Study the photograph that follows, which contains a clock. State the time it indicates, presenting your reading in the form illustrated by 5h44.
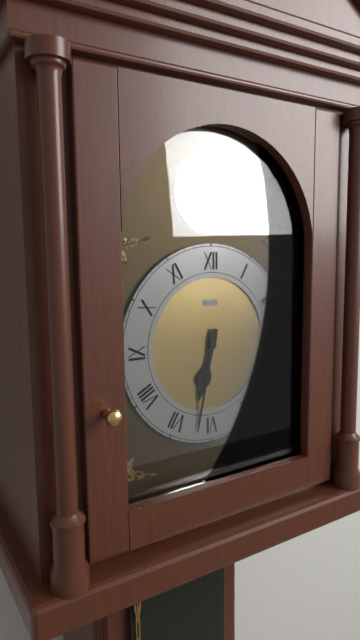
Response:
6h32
